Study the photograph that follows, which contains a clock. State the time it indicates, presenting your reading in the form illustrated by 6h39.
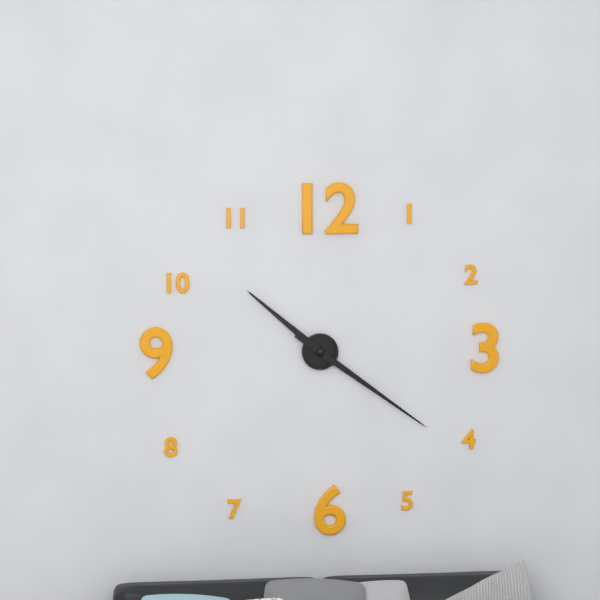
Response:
10h21
